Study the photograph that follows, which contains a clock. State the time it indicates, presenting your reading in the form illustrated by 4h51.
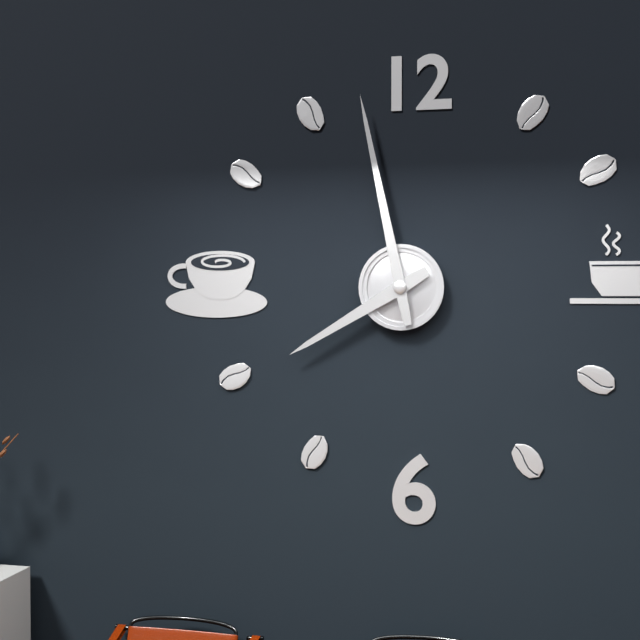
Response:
7h58
